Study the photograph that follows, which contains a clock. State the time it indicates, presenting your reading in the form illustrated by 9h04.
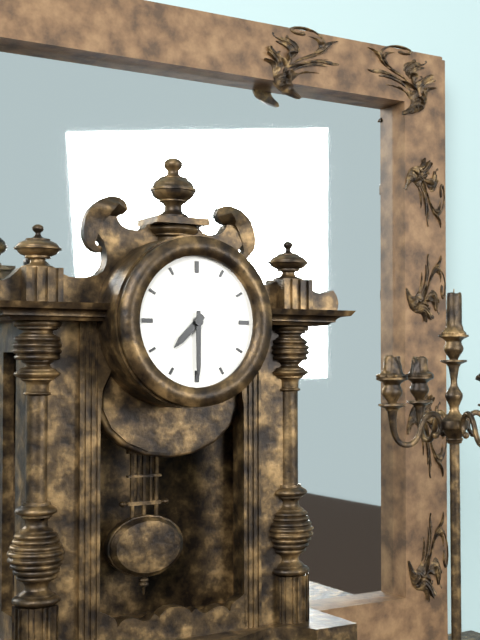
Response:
7h30
